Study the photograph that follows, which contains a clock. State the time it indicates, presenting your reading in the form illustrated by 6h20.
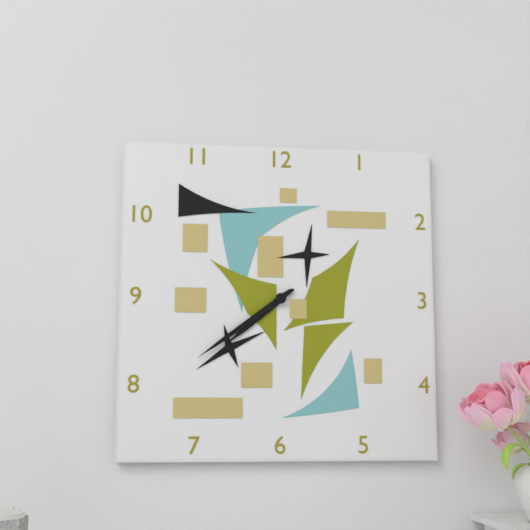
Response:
7h39
